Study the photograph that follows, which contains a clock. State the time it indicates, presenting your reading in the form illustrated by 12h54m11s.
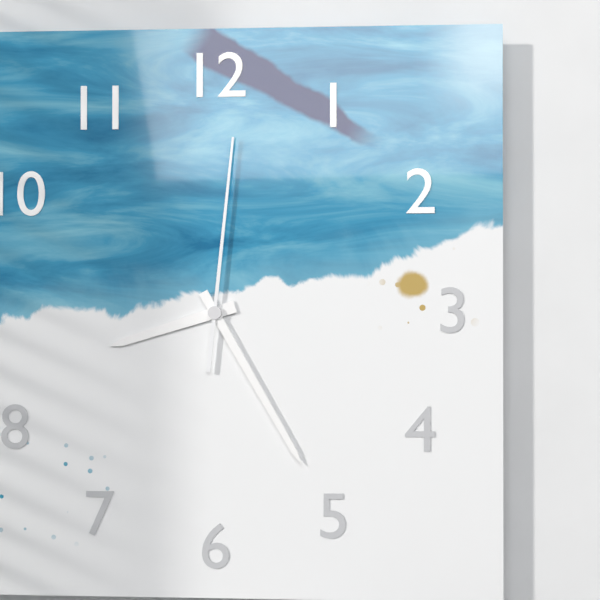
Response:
8h25m01s
